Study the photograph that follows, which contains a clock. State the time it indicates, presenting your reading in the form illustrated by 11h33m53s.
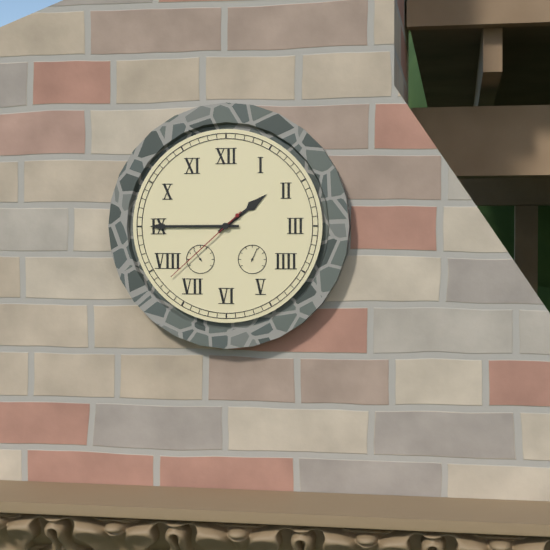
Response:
1h45m38s
